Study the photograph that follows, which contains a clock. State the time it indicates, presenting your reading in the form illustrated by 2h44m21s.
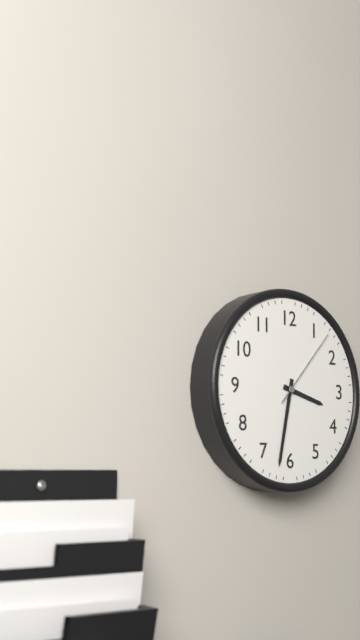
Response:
3h32m07s
